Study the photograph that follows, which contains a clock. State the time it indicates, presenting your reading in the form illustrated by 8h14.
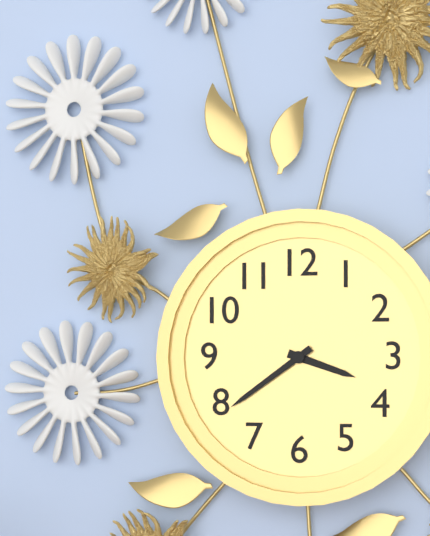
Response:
3h39
